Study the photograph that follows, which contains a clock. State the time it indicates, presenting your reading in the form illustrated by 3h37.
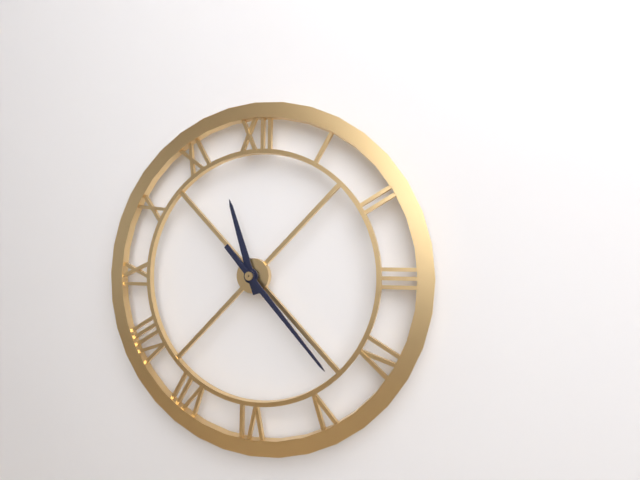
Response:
11h23
